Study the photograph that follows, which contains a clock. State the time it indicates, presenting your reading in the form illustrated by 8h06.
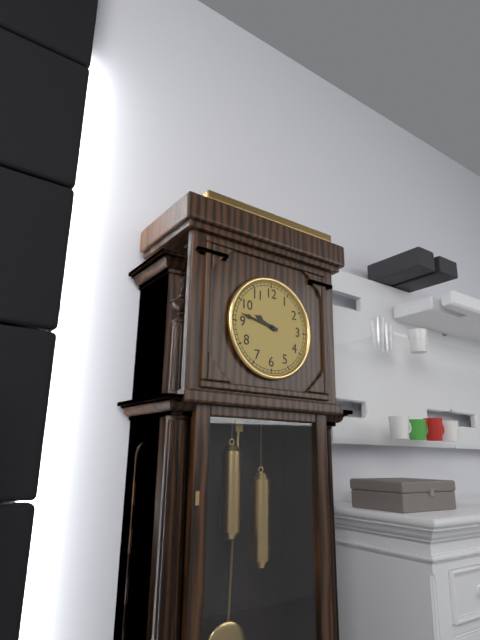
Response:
9h47
